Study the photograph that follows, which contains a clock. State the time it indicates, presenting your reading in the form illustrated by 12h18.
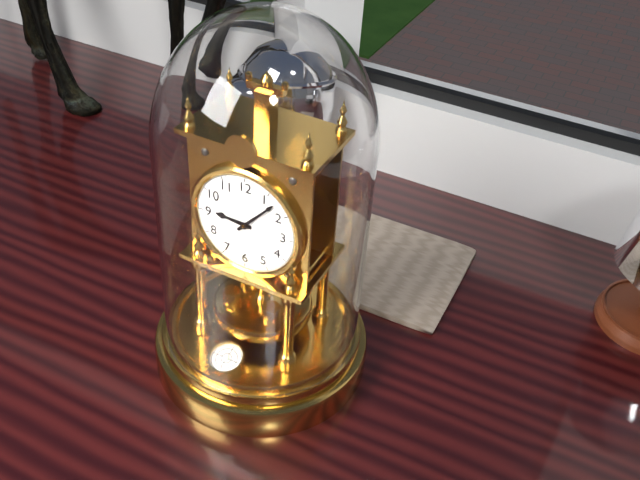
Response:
9h07
